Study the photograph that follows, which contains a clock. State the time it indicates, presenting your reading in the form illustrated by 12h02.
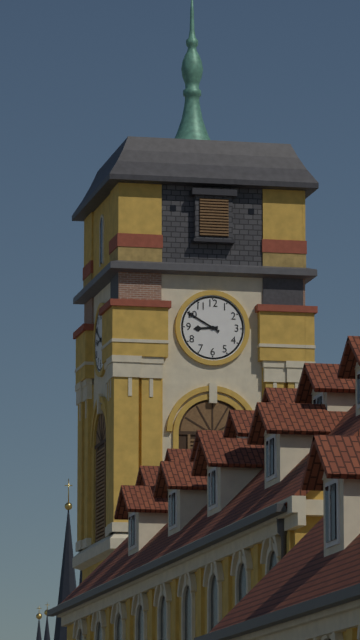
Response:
8h50
